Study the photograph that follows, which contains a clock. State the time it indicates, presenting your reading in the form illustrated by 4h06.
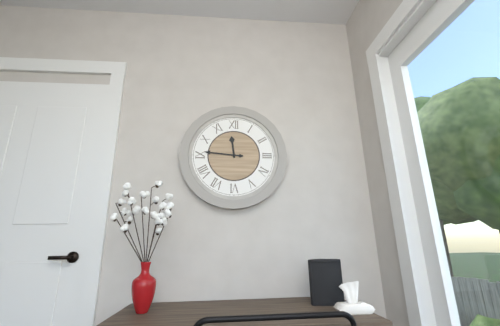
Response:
11h46
